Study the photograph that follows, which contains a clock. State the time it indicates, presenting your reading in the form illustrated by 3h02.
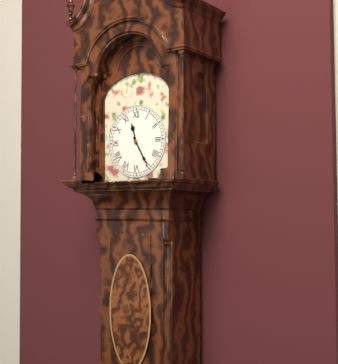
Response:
11h25
